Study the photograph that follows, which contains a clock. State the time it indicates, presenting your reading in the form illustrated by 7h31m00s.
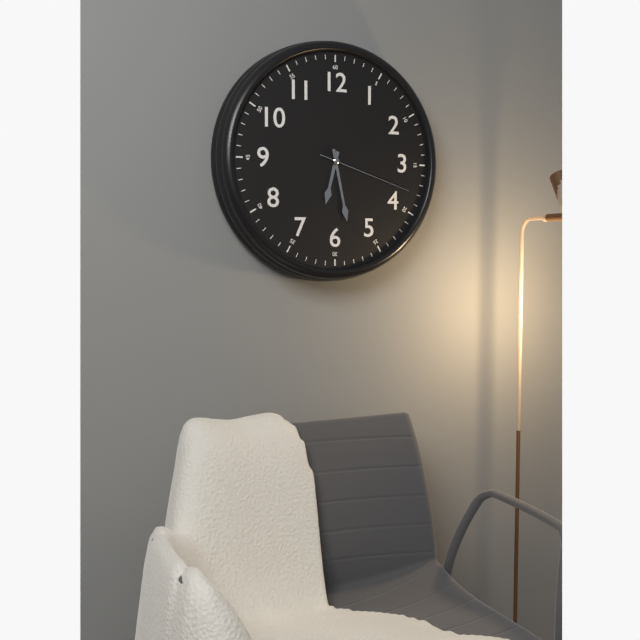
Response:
6h28m18s
